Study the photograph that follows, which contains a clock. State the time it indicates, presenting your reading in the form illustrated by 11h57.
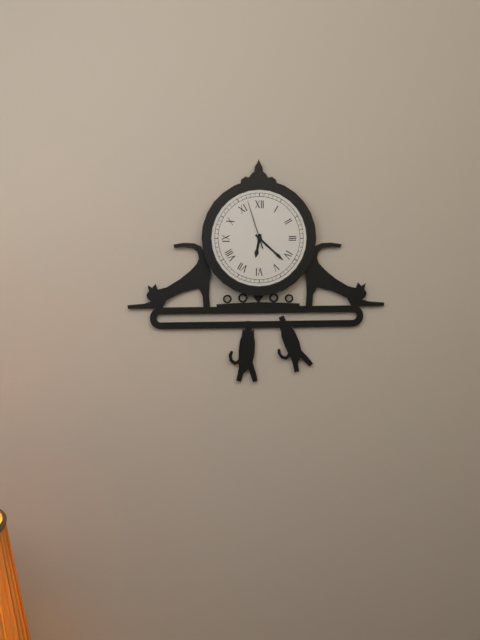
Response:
6h22
